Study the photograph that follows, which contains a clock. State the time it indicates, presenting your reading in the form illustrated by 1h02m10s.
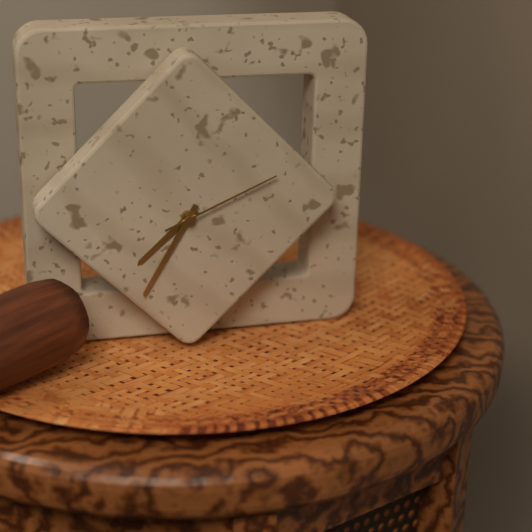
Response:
7h35m11s
